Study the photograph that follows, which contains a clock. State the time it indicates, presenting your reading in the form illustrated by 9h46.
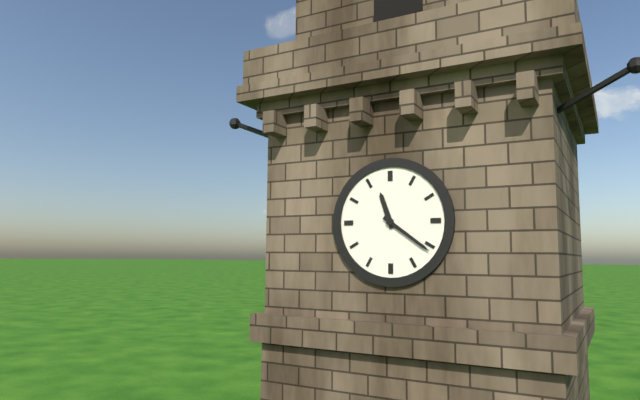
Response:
11h21
